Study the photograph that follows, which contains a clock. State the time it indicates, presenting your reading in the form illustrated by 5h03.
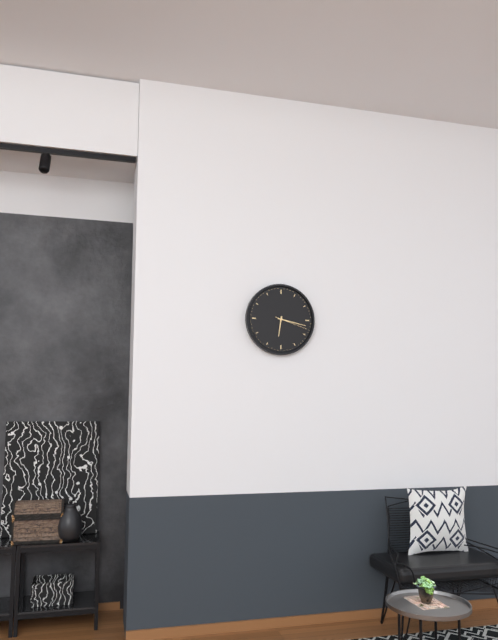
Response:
6h17
